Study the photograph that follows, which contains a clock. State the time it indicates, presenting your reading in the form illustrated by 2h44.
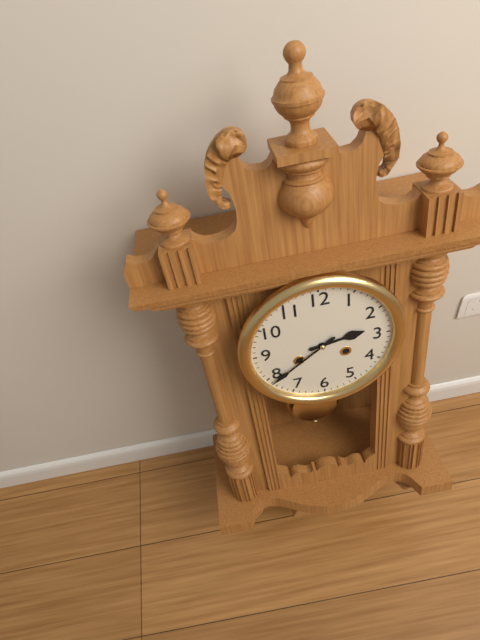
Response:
2h39
